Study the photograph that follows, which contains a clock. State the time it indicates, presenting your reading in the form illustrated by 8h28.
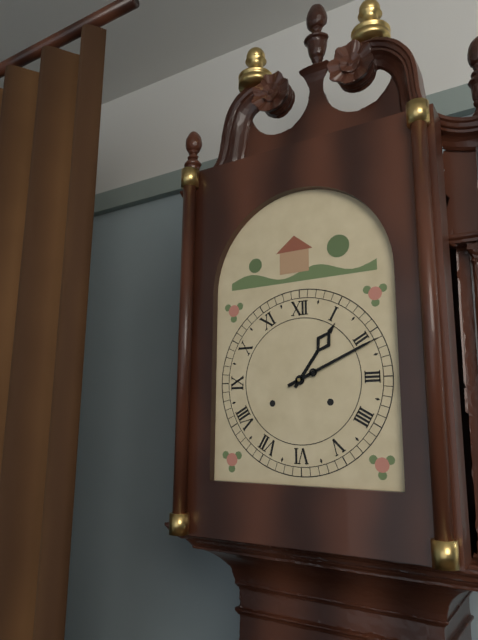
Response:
1h11
